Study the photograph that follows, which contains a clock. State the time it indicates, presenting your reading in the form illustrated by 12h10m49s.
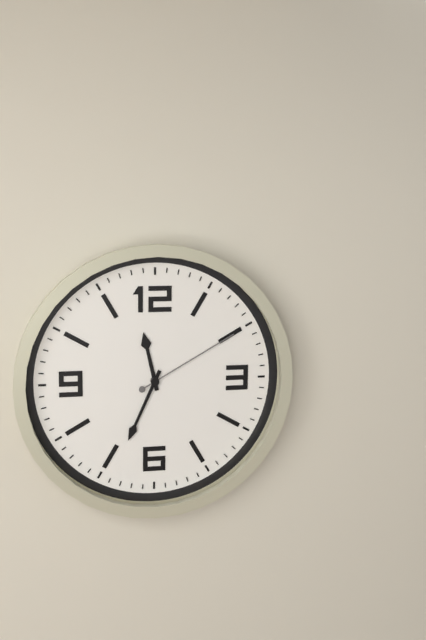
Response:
11h34m10s
